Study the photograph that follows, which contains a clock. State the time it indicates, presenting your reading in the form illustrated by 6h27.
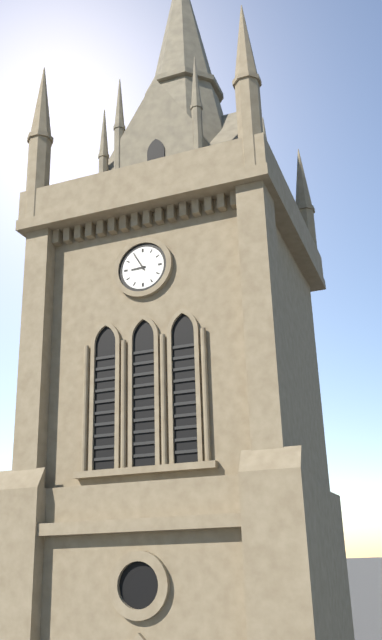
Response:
8h55
